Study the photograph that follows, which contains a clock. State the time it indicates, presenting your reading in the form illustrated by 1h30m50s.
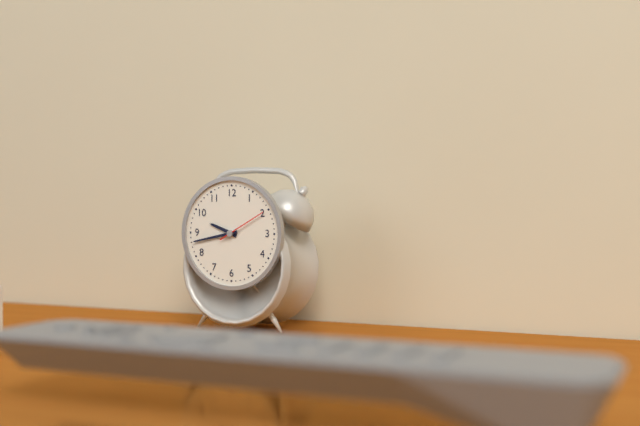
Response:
9h43m10s
